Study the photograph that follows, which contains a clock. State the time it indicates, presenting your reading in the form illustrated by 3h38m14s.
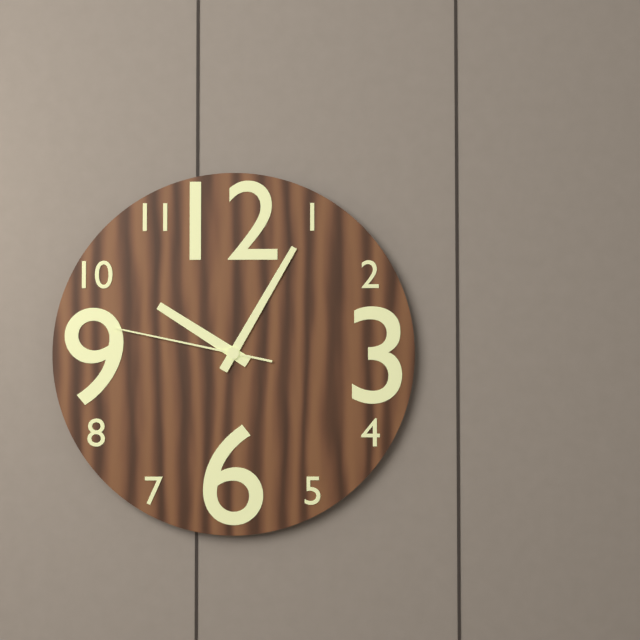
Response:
10h05m47s
